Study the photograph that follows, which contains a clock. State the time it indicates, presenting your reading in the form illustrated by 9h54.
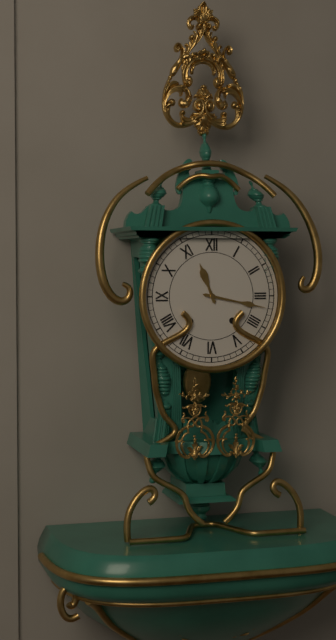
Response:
11h17
